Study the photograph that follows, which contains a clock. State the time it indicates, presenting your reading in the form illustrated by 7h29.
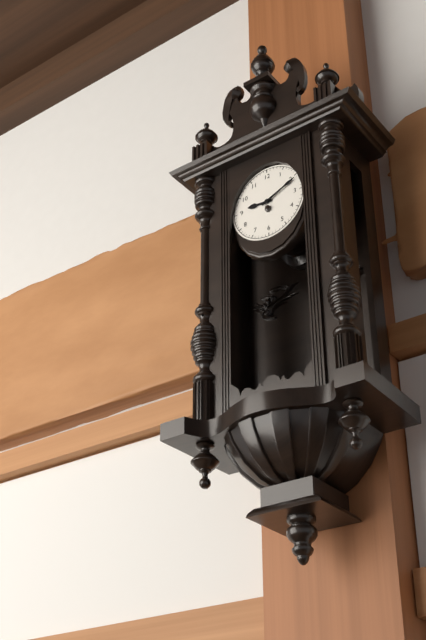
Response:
9h11
